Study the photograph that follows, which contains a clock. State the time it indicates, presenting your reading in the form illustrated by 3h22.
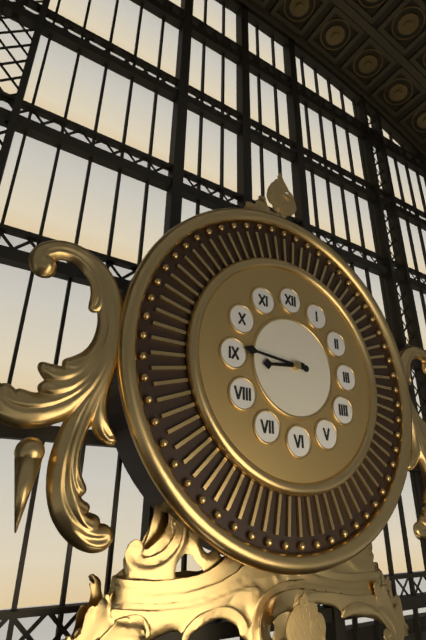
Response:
8h46
